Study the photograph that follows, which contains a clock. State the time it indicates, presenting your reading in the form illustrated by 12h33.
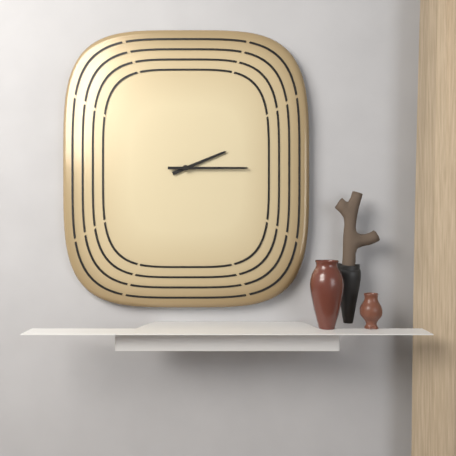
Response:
2h15
